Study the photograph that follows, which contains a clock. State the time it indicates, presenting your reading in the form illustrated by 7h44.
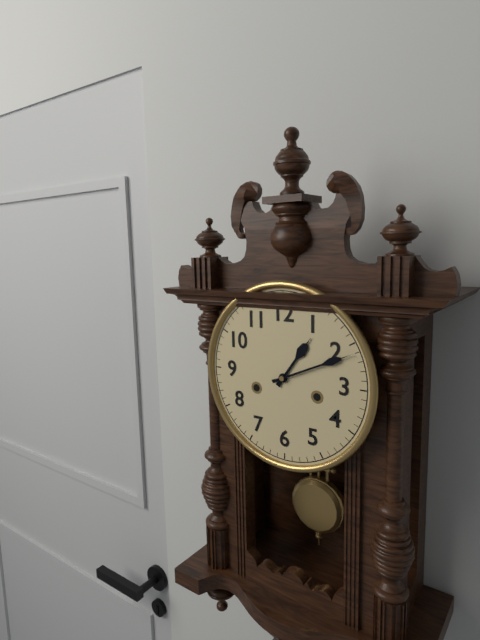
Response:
1h11
